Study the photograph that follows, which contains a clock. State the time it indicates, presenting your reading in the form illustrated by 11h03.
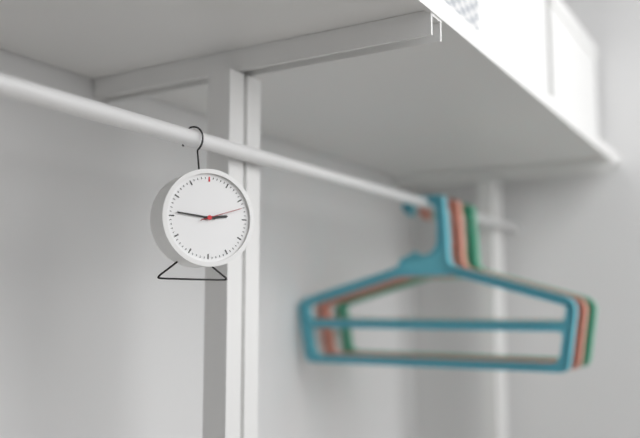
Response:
2h46
